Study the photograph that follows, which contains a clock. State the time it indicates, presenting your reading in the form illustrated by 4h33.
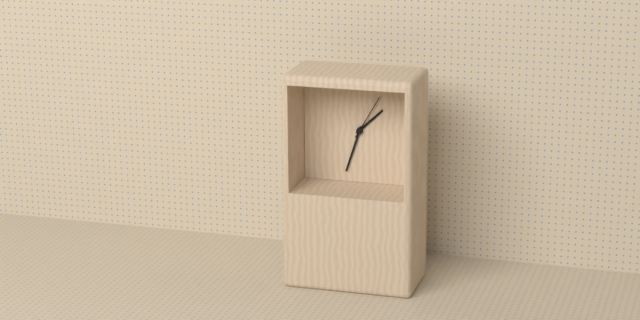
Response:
1h33
